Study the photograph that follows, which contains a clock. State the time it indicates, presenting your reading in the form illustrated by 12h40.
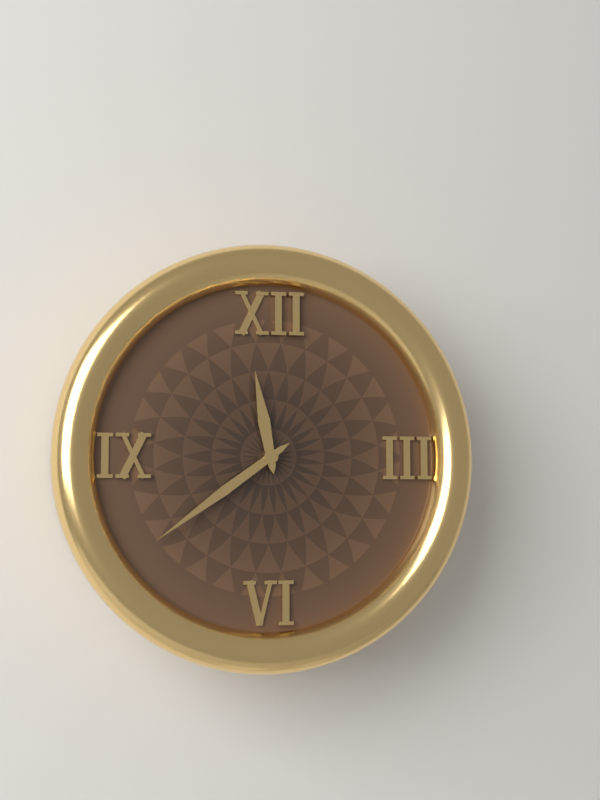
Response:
11h39
